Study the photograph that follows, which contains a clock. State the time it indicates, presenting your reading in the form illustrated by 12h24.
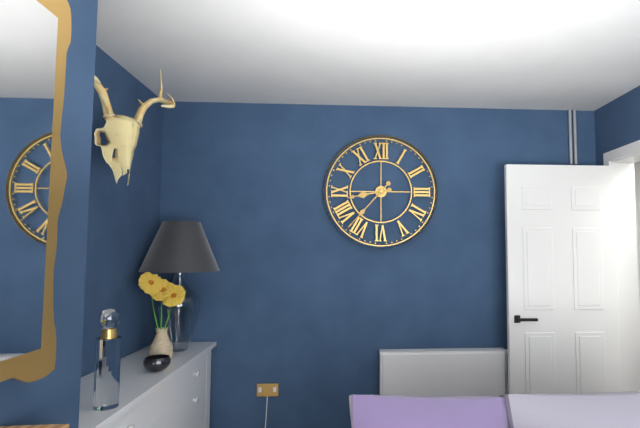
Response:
8h37
